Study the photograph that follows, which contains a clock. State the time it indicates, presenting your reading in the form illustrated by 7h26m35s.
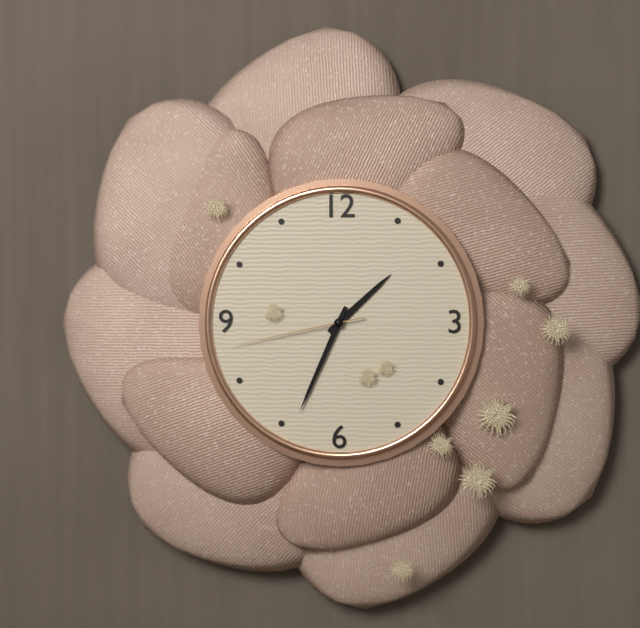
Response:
1h34m43s
